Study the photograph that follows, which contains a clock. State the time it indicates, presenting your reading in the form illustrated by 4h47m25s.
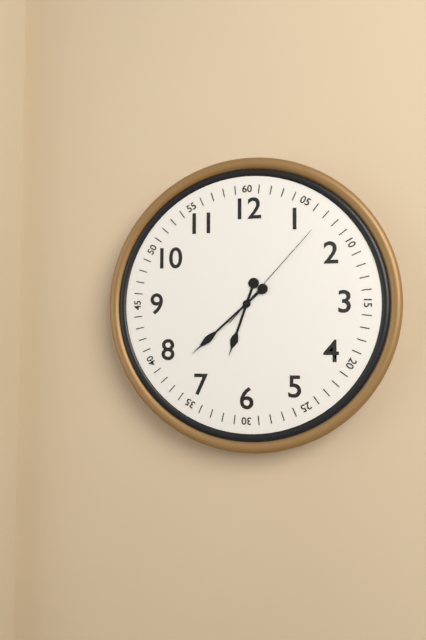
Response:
6h38m07s
